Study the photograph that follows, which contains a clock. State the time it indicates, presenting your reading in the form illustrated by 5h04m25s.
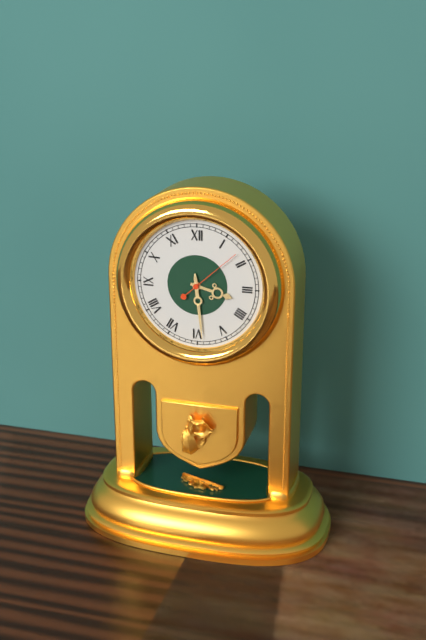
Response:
3h29m08s
